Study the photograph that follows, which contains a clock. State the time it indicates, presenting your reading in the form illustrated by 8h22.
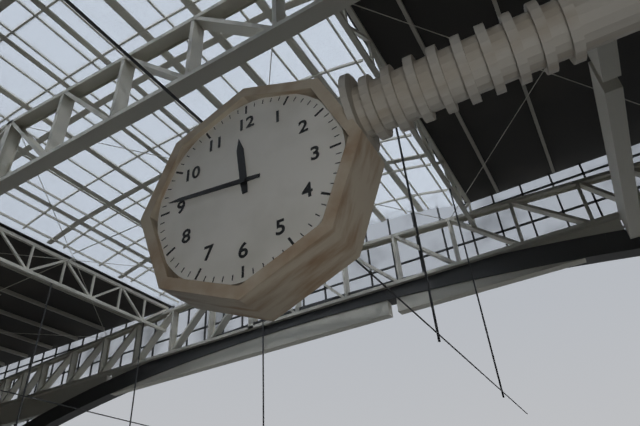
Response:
11h46
